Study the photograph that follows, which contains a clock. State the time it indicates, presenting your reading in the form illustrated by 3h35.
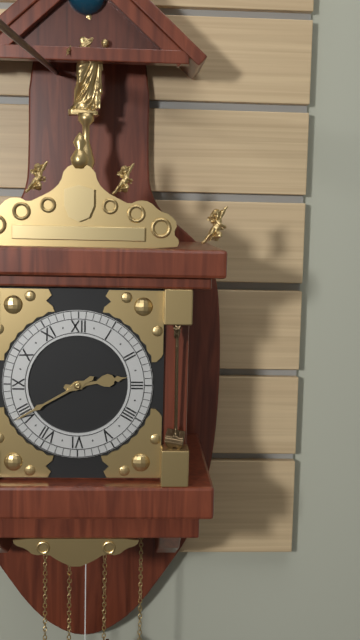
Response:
2h40
